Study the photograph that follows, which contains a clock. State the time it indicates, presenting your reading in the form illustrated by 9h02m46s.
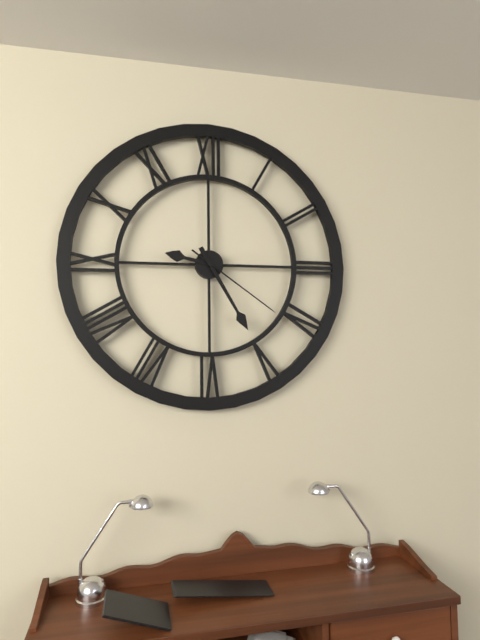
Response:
9h25m21s
